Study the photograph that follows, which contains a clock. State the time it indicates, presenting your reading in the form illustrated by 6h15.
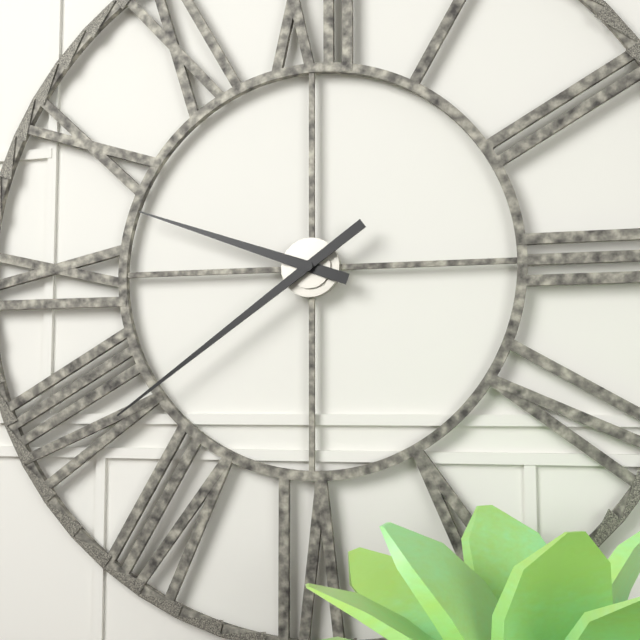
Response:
9h39
